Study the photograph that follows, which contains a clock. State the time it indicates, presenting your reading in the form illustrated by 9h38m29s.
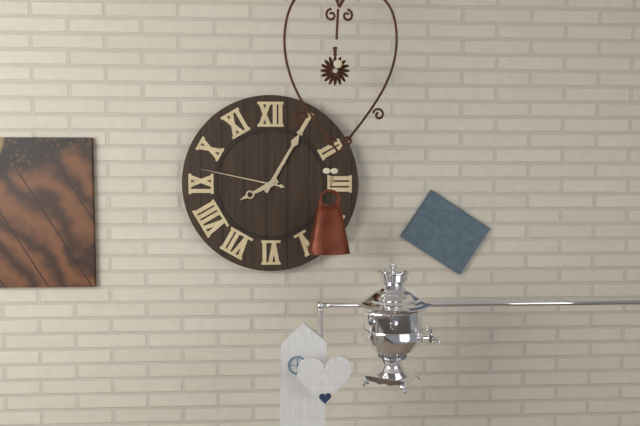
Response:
8h05m47s
